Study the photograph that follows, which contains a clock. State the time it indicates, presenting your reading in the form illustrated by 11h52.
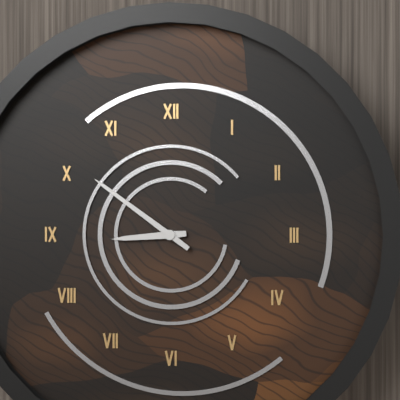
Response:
8h51
